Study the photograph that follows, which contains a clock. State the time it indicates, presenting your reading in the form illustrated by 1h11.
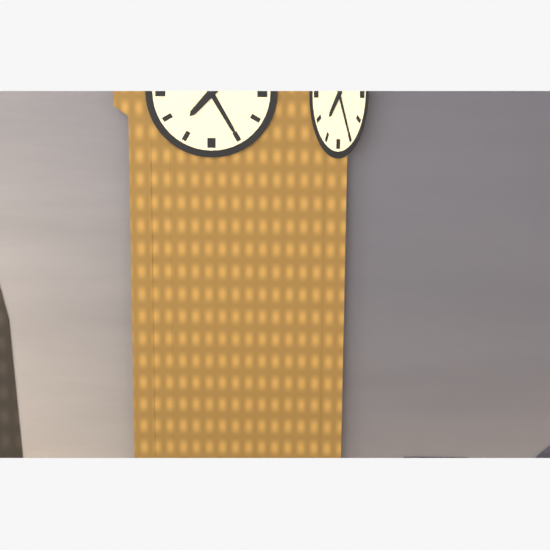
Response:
7h25
